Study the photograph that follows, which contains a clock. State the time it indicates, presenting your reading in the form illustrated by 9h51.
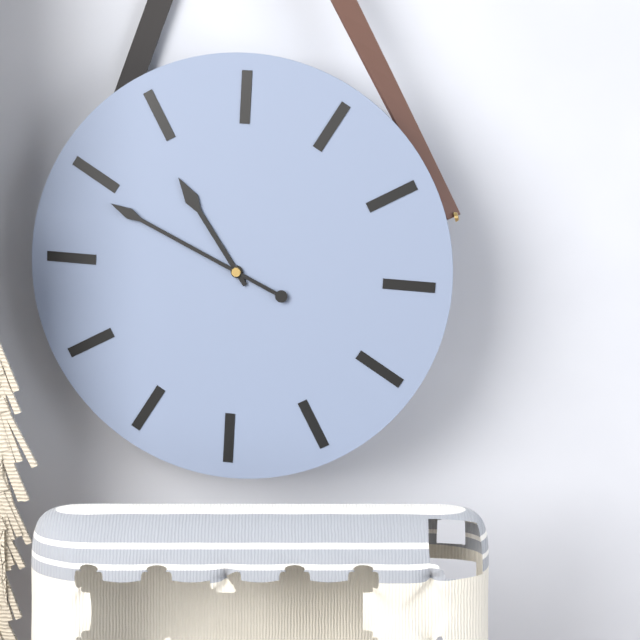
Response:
10h49
